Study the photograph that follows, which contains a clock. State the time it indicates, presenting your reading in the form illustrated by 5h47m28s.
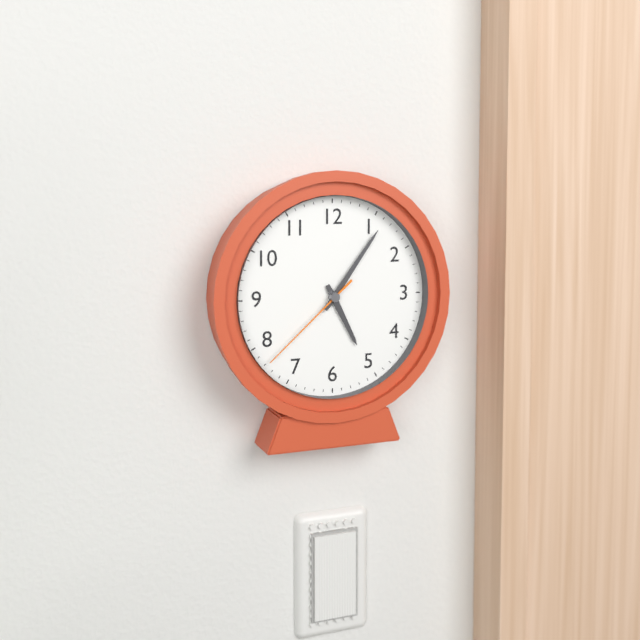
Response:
5h06m38s
